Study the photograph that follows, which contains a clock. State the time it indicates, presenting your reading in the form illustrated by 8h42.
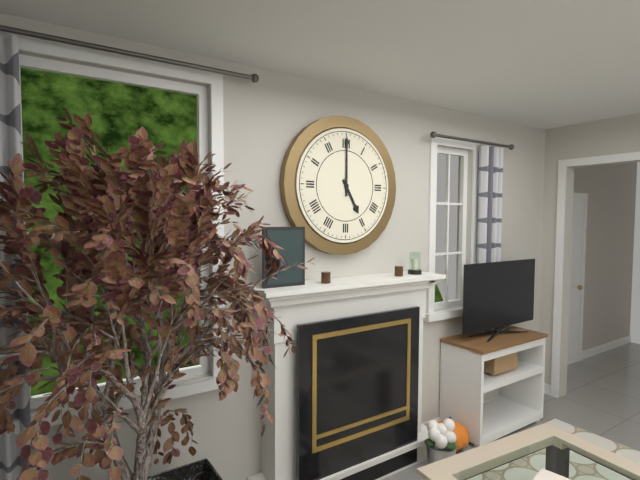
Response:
5h00
